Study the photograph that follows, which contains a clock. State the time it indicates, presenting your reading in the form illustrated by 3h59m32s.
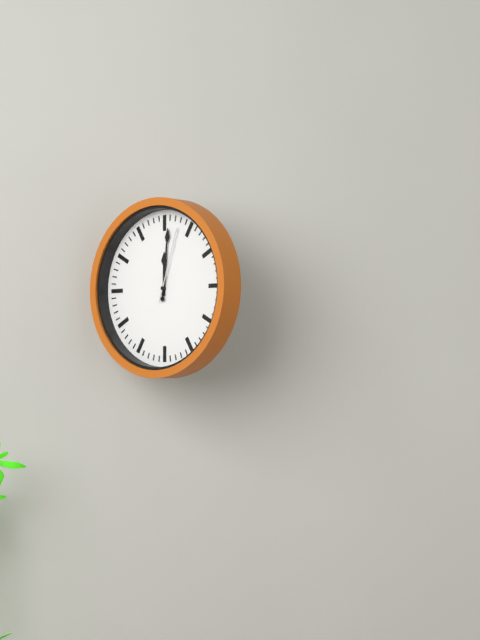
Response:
12h01m03s
